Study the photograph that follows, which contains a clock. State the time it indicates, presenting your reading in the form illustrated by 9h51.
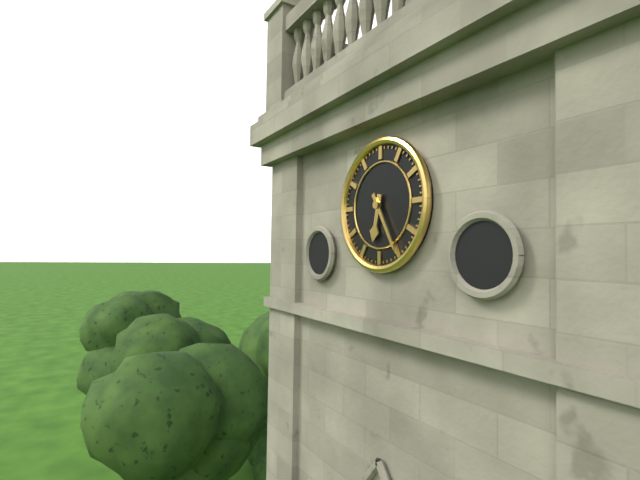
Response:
6h25
